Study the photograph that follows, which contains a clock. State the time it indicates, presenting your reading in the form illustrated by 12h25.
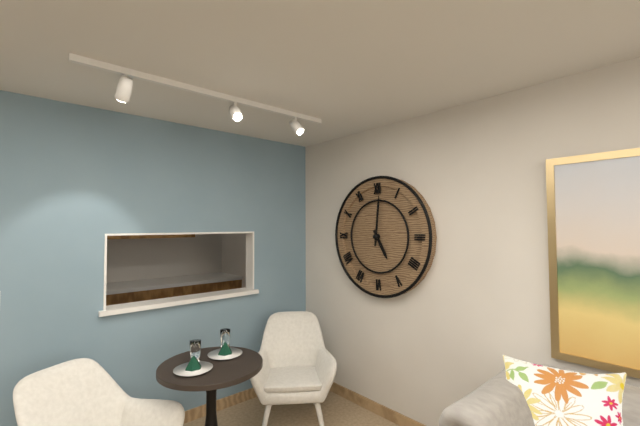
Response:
5h01
